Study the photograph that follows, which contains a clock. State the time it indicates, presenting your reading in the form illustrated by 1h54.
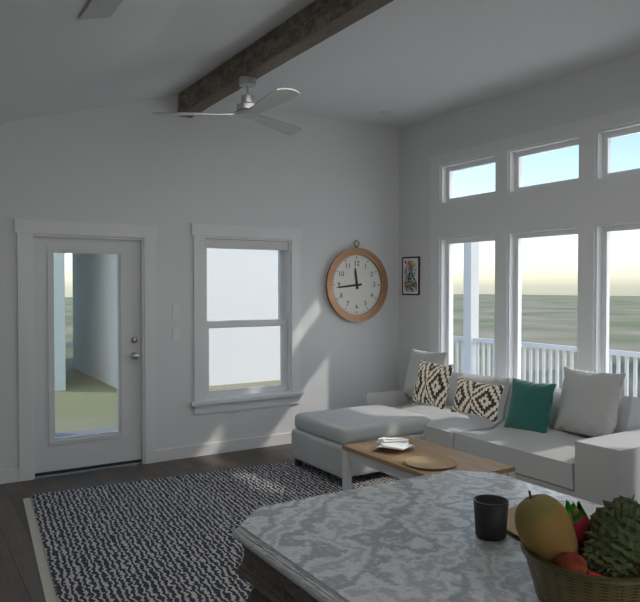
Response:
11h44
